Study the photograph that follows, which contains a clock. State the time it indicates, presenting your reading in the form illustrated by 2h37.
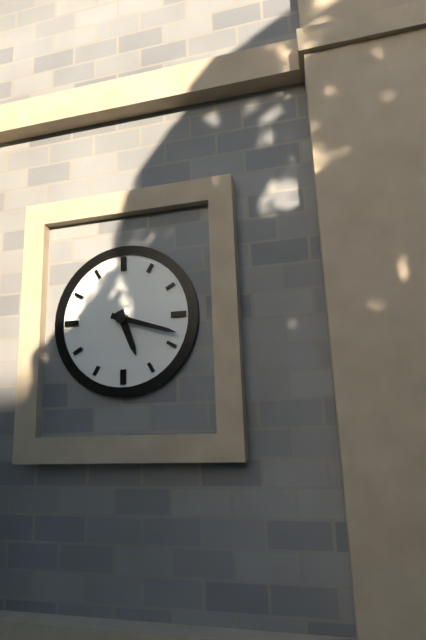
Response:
5h18
